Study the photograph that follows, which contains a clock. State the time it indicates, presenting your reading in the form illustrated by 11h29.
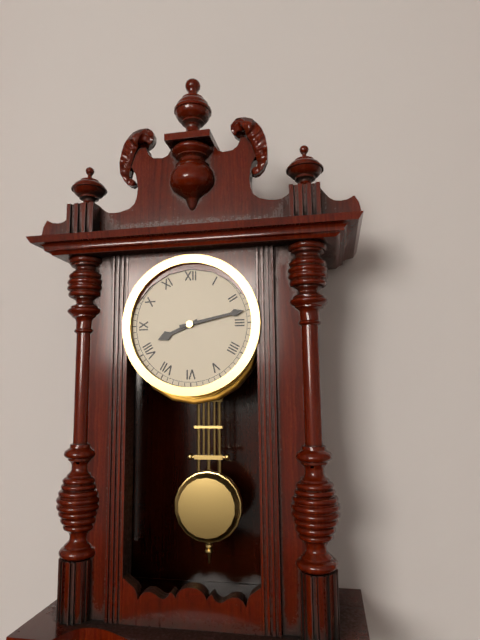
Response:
8h13
